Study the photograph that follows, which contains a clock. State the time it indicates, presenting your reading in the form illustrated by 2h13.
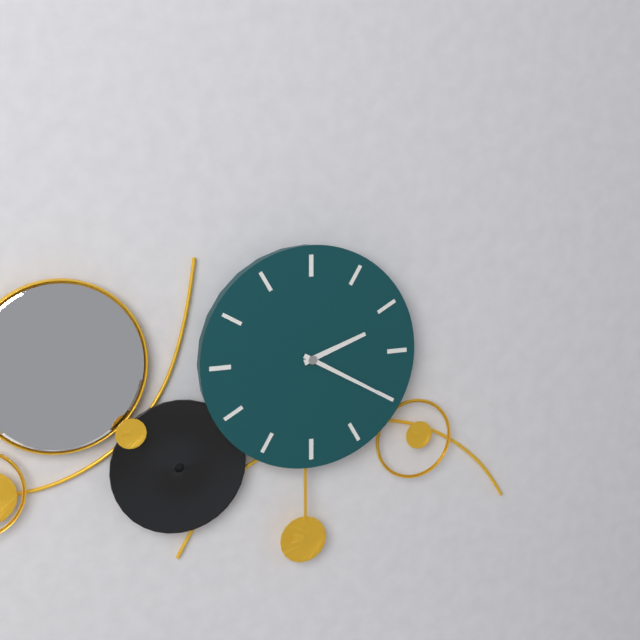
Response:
2h20
